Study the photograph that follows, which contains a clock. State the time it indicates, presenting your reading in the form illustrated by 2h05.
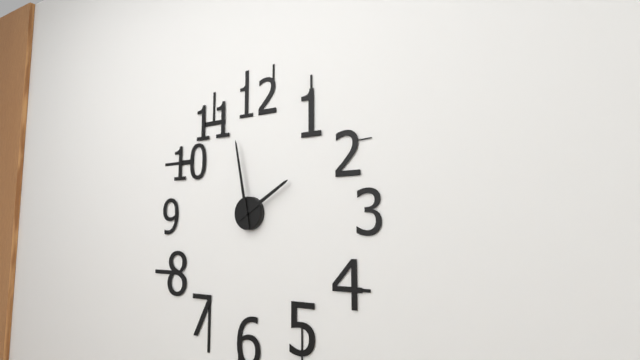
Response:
1h58
